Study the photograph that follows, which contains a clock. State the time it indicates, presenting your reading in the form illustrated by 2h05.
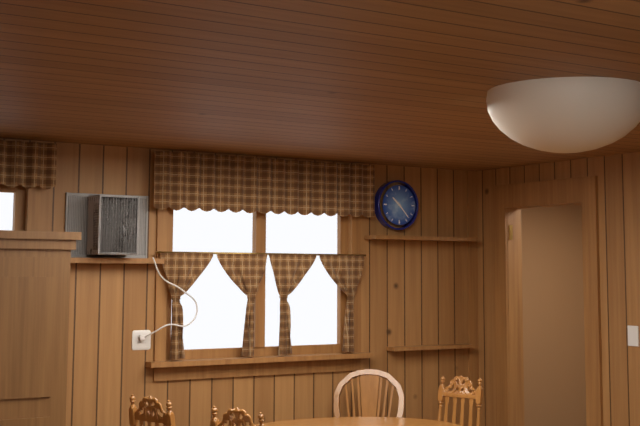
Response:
10h23
